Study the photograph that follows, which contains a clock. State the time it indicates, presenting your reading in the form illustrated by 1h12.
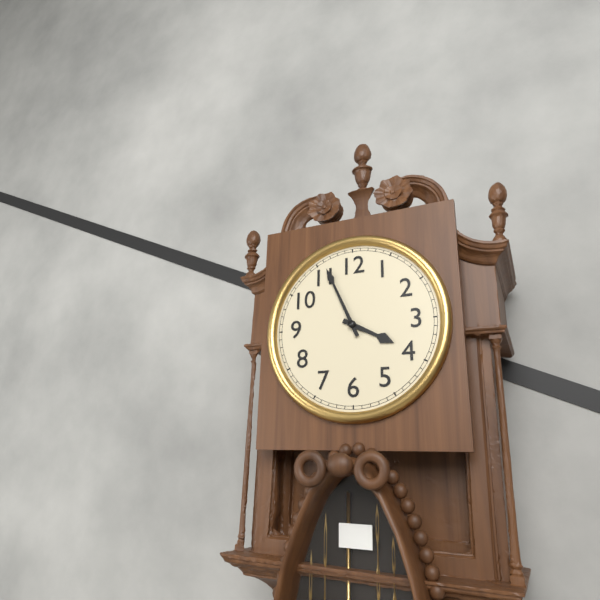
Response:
3h56
